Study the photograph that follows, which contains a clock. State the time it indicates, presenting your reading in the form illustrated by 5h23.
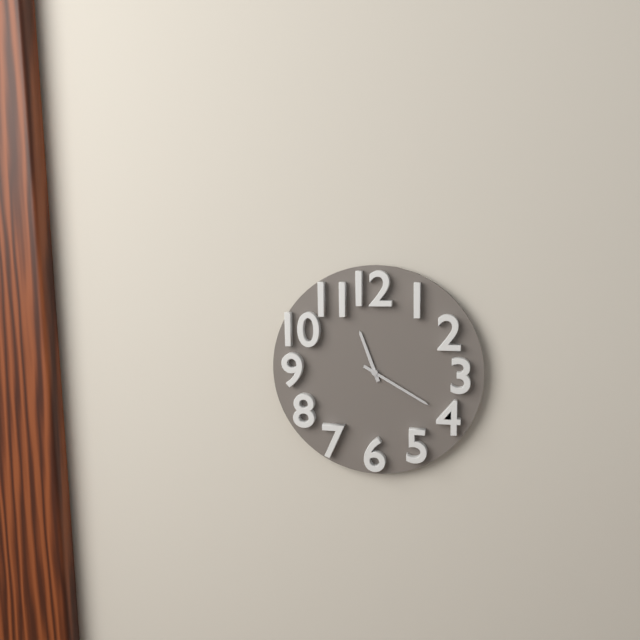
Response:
11h20
